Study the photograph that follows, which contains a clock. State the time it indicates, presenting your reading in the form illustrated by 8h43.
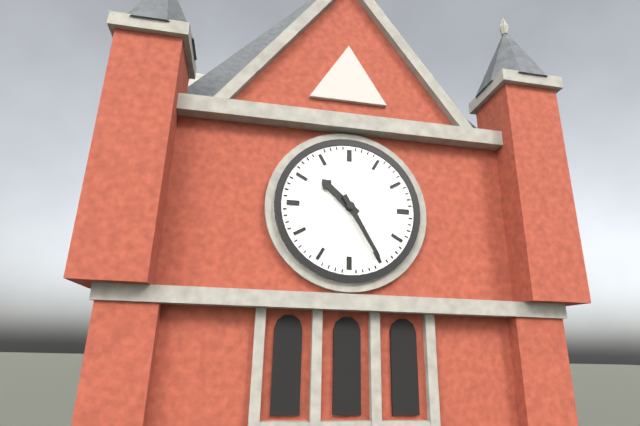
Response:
10h25
